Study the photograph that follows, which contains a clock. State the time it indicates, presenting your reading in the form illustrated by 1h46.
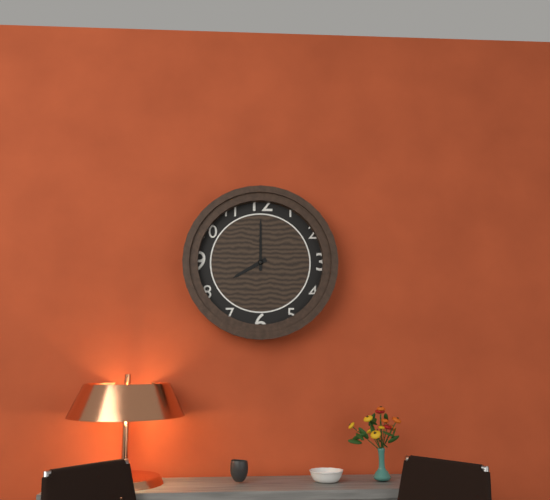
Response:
8h00
